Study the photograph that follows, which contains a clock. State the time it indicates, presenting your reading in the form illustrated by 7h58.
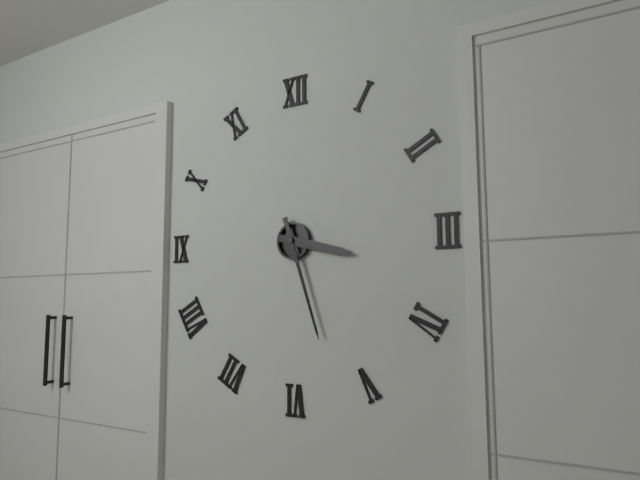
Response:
3h27
